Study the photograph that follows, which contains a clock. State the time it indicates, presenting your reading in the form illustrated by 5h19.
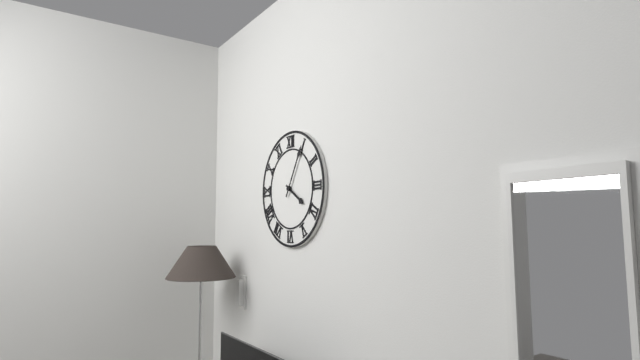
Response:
4h05
